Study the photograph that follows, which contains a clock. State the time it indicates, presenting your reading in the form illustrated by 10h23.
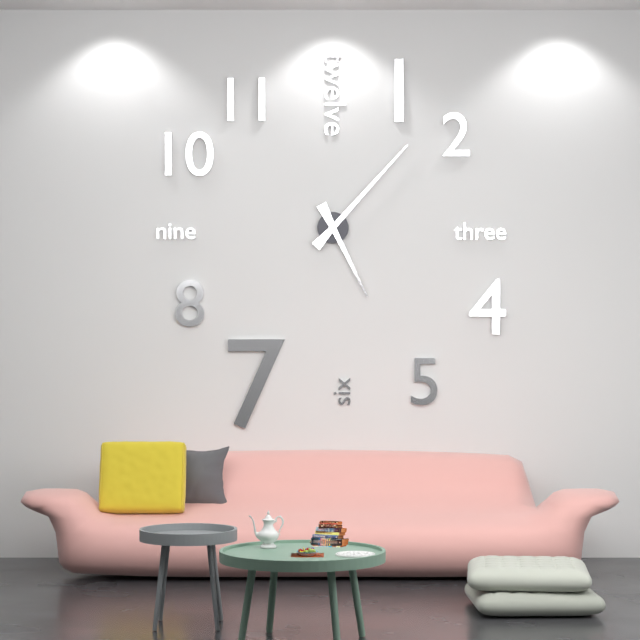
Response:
5h07
